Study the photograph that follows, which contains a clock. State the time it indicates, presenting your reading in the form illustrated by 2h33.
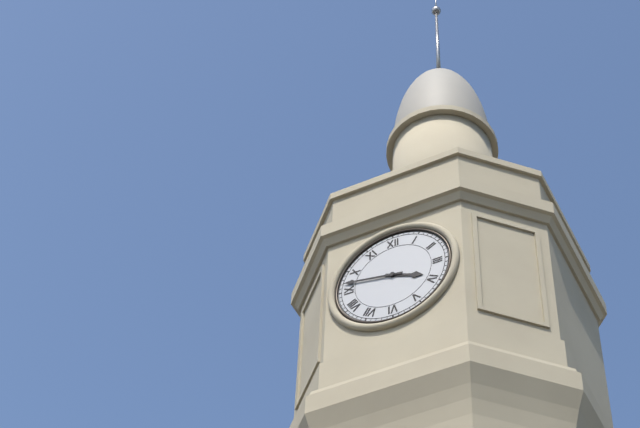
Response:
3h47
